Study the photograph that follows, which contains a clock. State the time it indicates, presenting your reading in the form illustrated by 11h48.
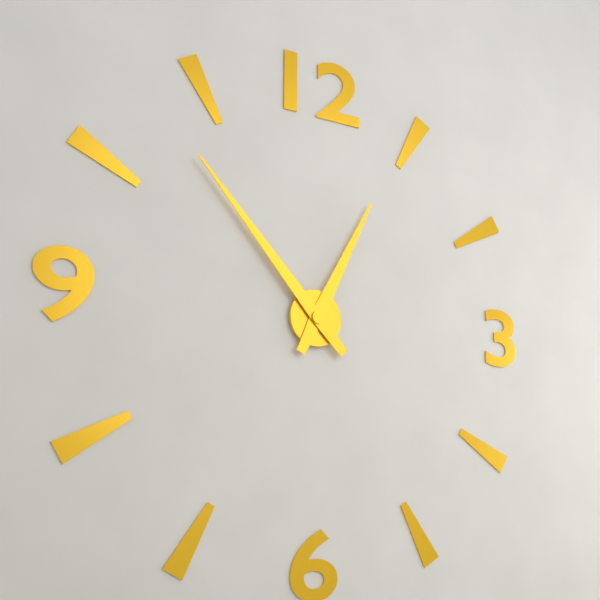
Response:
12h53
